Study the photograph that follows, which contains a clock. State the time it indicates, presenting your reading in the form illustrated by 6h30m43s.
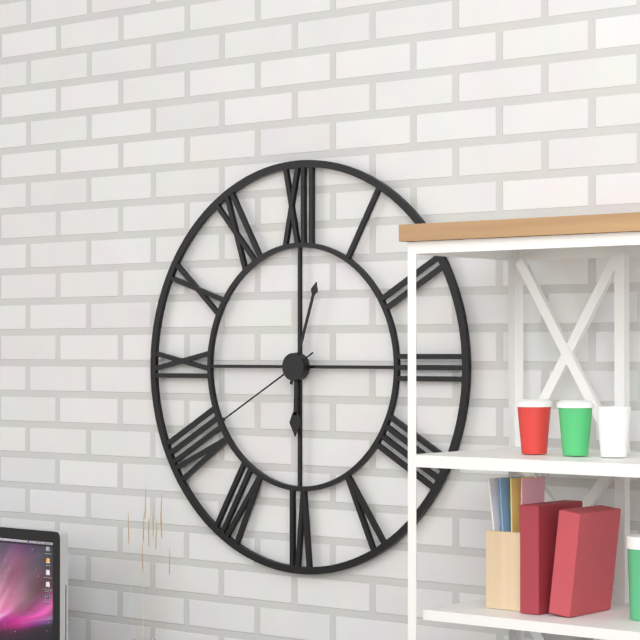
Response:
6h03m40s
